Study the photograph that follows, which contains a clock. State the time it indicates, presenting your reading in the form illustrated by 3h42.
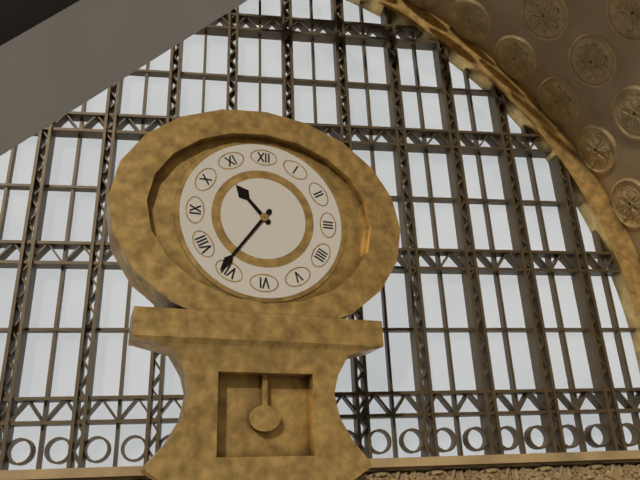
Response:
10h36
